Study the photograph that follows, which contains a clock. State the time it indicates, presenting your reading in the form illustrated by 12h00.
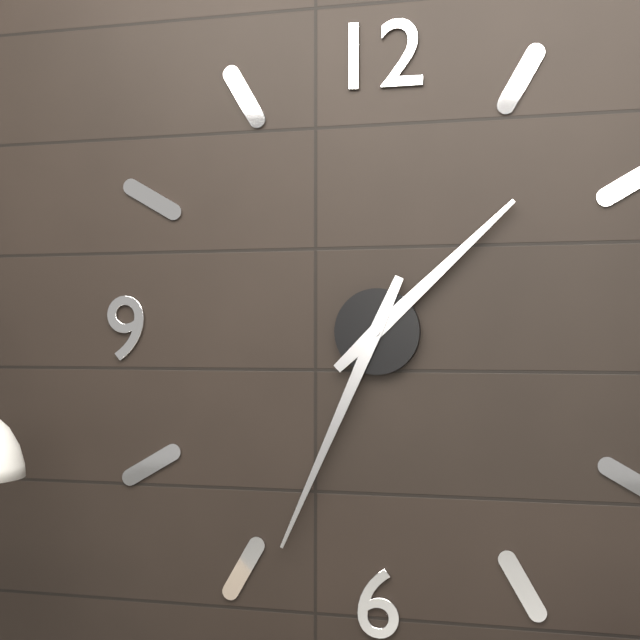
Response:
1h34
